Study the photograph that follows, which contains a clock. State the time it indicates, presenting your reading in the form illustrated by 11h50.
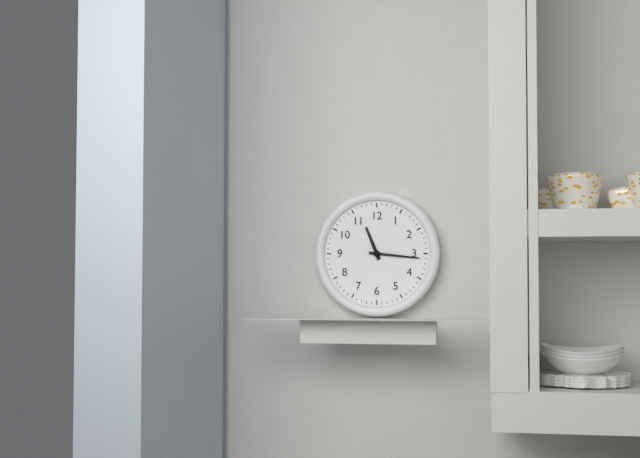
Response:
11h16
